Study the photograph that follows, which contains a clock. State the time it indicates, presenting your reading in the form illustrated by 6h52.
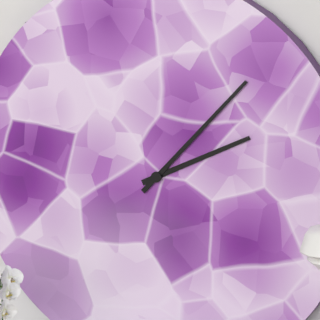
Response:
2h07
